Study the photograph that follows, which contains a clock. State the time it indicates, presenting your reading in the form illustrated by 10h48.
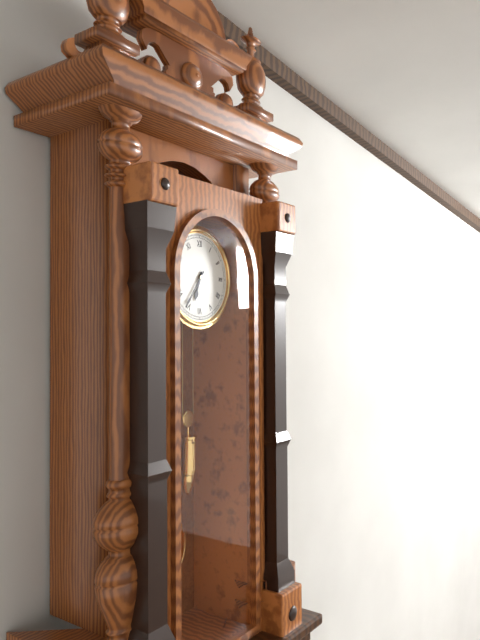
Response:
6h36
